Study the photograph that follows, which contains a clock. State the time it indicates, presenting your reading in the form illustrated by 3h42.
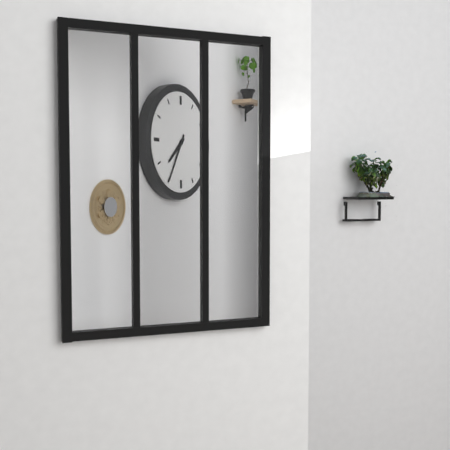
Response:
7h35
